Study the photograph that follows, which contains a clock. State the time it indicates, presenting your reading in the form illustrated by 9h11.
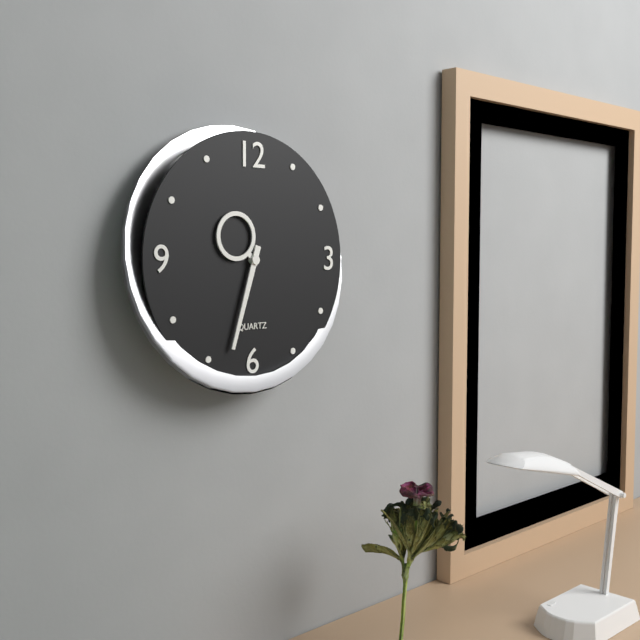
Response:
10h33
